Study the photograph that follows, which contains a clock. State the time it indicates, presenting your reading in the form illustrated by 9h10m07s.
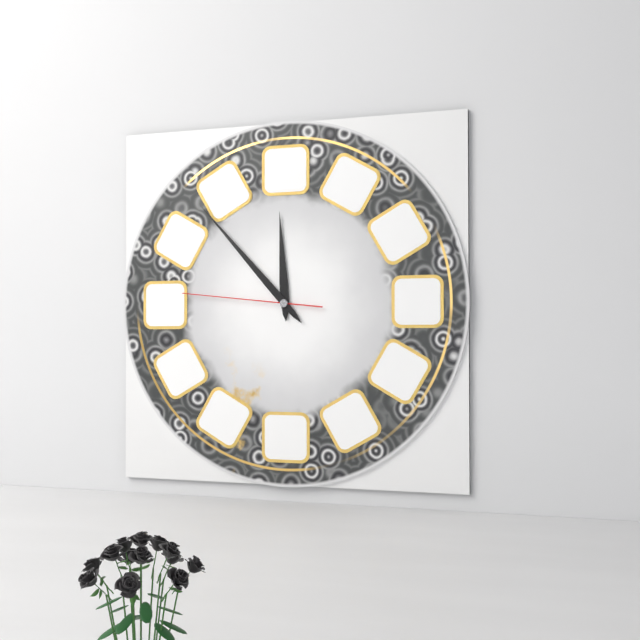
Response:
11h53m46s
